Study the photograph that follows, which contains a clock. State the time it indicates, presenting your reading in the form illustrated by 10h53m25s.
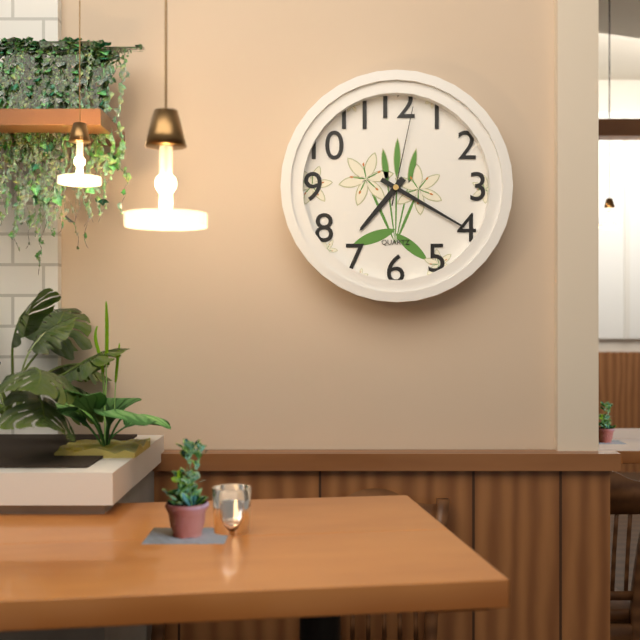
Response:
7h20m02s
